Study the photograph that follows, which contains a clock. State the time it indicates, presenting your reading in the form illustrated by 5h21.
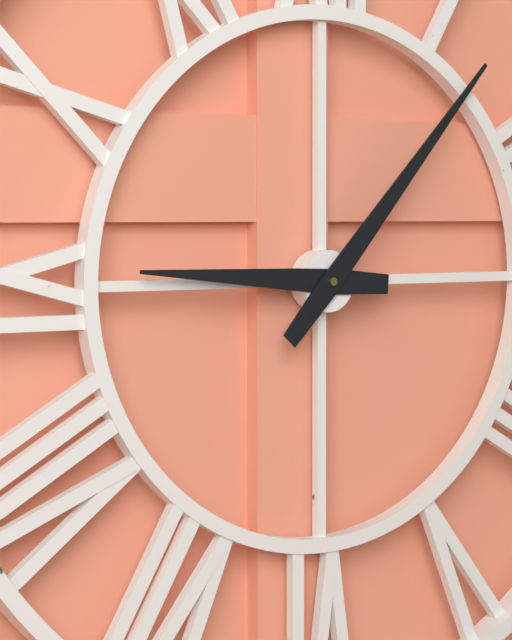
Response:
9h07
